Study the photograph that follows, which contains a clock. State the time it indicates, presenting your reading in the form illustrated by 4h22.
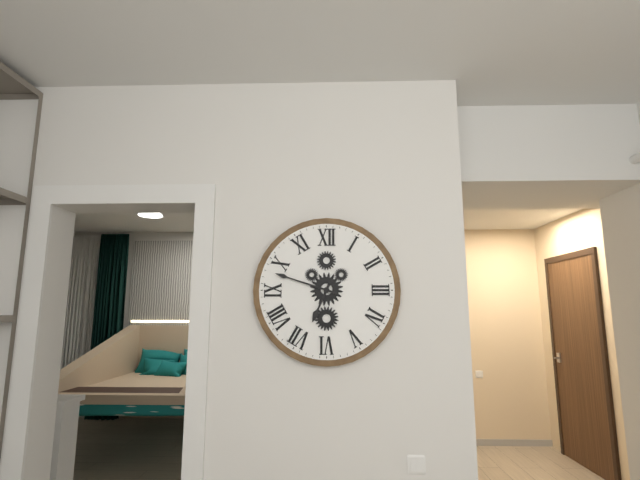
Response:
6h48
